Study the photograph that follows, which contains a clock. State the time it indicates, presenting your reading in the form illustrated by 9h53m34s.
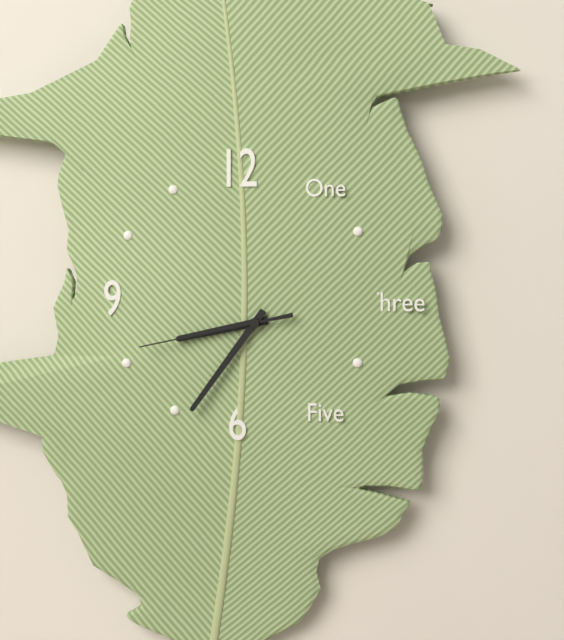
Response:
8h36m43s
